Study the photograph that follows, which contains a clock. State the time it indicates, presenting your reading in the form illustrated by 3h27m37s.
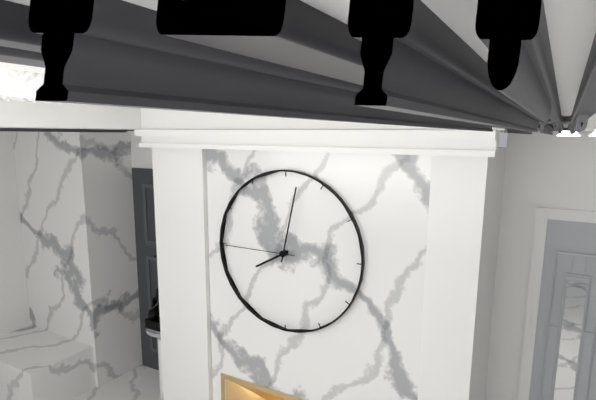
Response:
8h02m45s
